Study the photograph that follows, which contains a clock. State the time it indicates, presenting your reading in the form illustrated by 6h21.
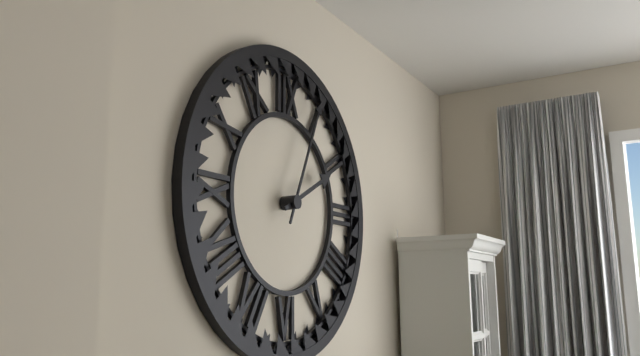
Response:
2h04
